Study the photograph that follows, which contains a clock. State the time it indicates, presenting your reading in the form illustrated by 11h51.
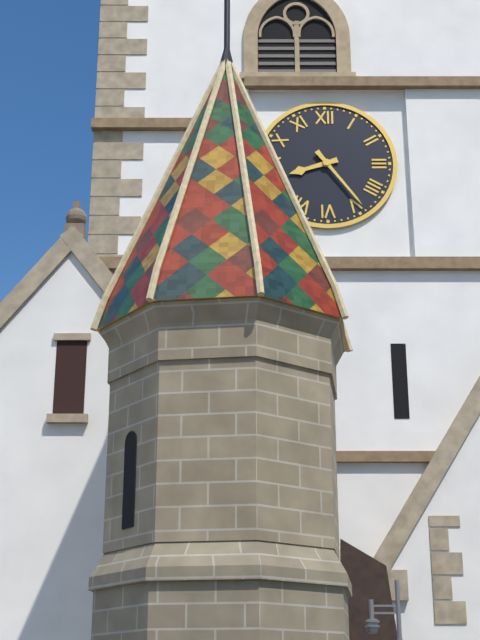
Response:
8h24
